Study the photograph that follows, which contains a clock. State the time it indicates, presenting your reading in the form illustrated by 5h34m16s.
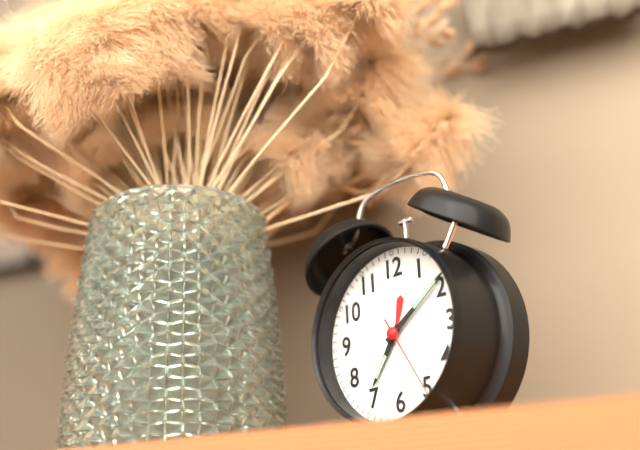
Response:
7h09m25s
